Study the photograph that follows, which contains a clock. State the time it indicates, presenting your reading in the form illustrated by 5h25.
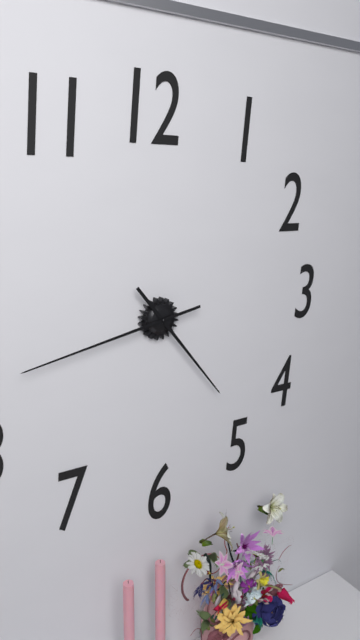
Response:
4h43
